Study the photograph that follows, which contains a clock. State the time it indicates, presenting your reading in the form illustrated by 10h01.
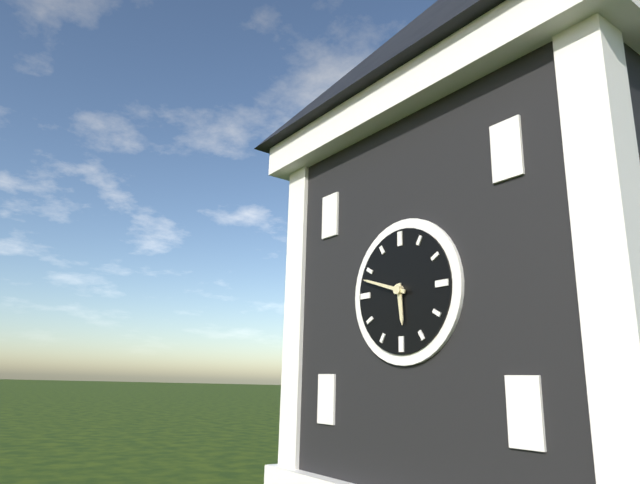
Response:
5h48
